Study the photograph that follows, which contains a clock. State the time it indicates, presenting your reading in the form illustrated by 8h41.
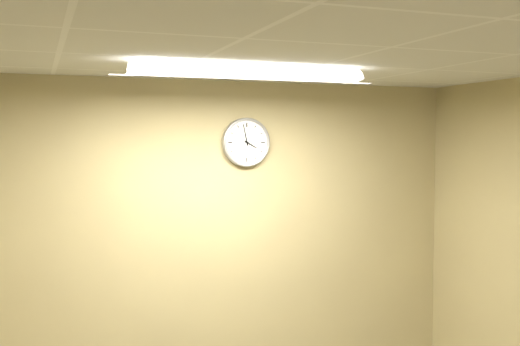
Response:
3h58
